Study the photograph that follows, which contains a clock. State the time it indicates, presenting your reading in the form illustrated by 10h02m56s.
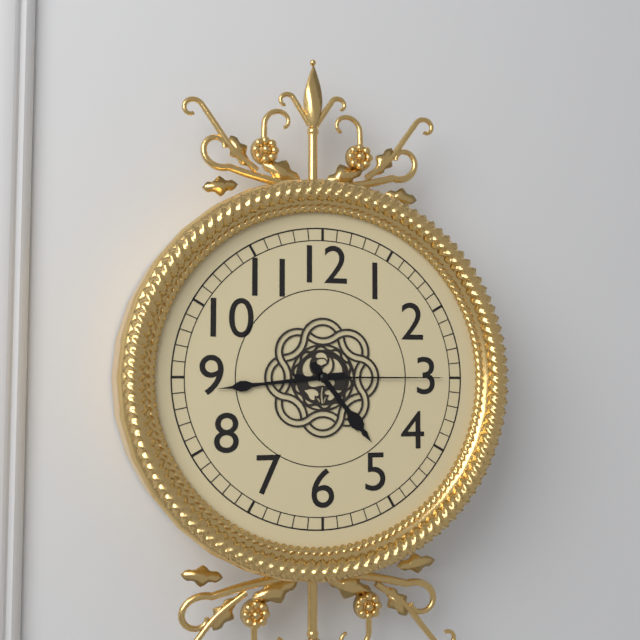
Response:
4h44m15s
